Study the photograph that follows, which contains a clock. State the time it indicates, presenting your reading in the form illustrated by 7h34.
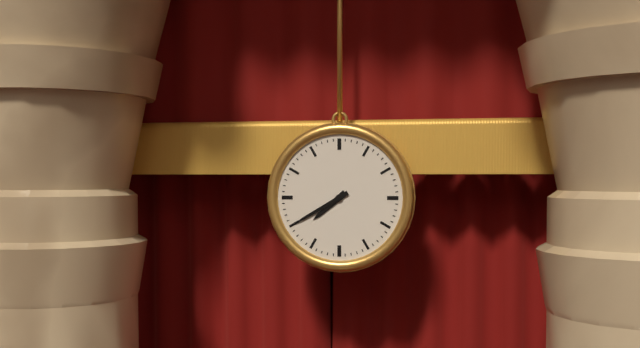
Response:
7h40
